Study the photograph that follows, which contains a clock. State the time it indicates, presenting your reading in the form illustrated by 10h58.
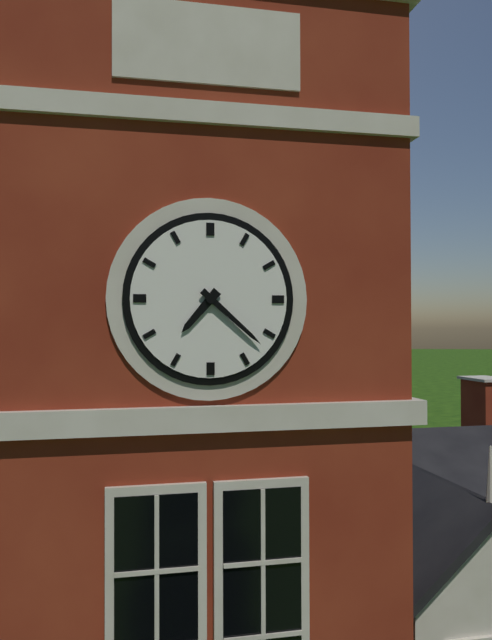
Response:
7h22
